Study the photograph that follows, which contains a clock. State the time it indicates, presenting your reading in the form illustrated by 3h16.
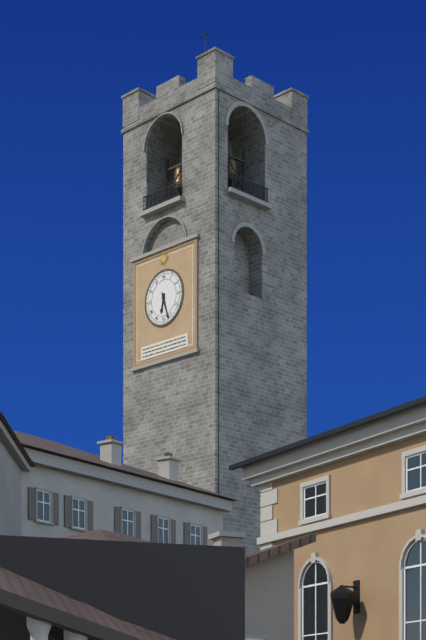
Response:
6h27
